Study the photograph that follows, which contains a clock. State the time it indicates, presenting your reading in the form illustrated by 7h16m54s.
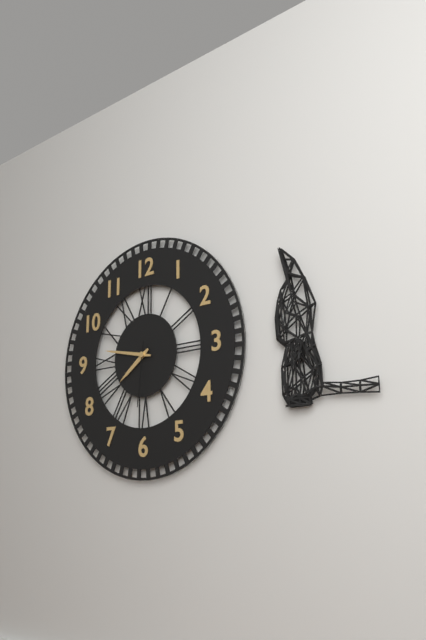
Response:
7h47m31s
